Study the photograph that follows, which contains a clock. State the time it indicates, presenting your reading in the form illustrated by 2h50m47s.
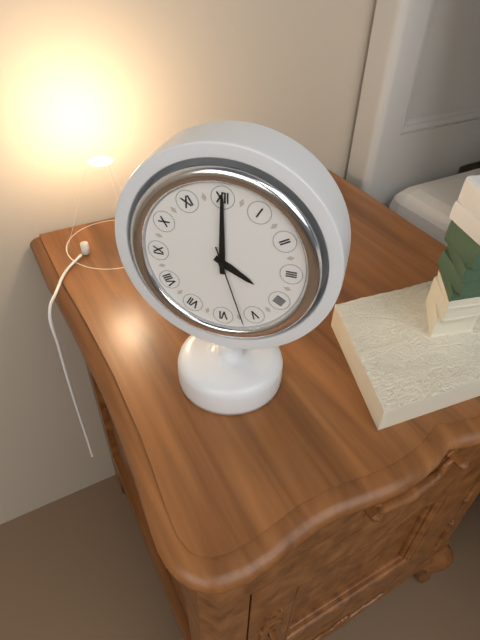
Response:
4h00m27s
